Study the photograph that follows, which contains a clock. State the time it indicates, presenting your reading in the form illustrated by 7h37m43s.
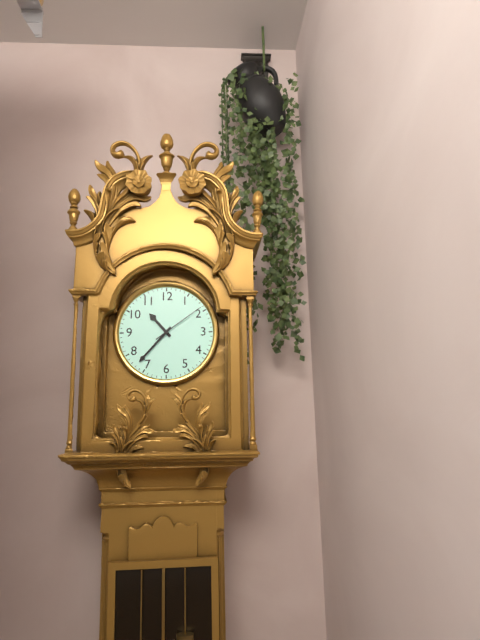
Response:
10h37m09s
